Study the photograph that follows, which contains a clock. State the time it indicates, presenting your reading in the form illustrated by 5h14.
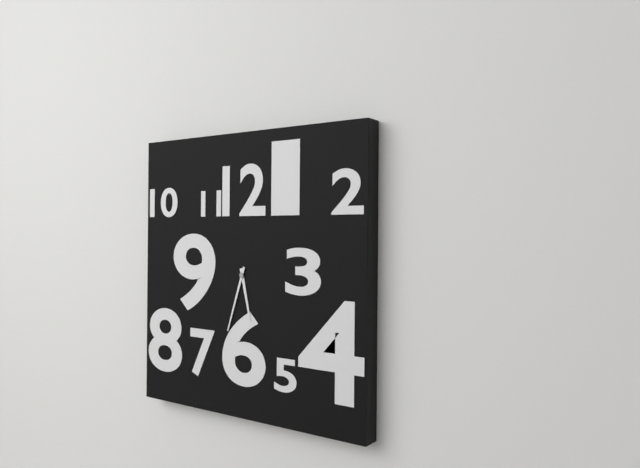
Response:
5h33
